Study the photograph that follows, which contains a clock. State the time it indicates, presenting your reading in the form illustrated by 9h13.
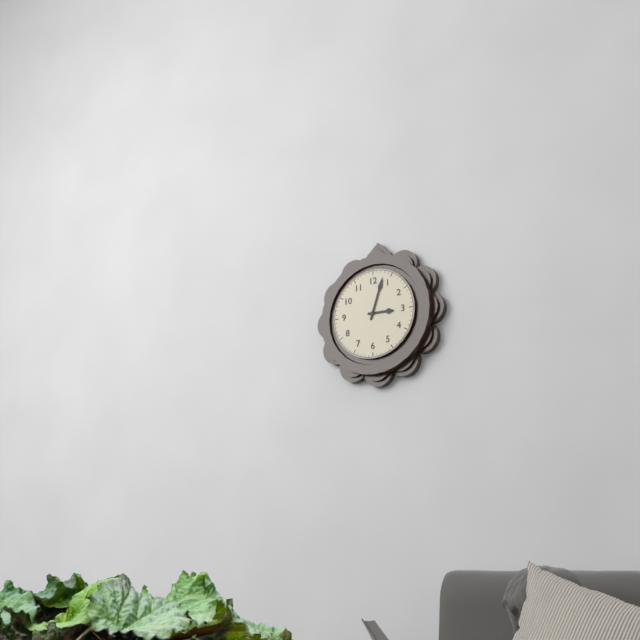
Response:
3h03
